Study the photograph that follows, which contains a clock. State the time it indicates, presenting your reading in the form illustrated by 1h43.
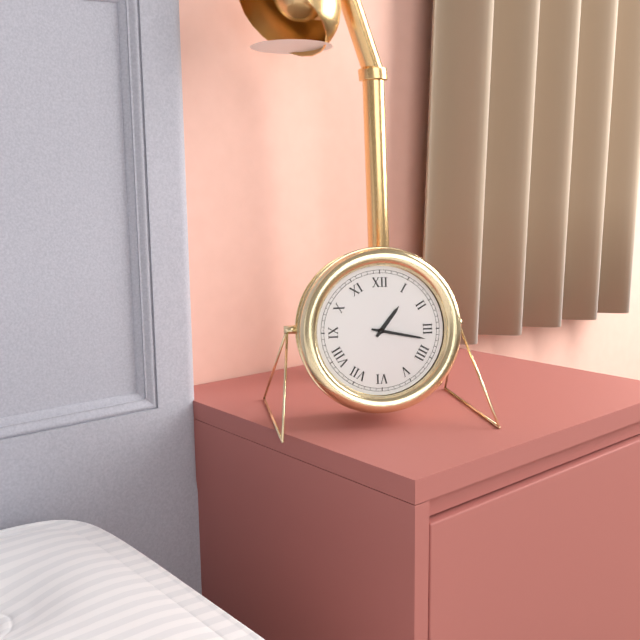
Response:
1h17
